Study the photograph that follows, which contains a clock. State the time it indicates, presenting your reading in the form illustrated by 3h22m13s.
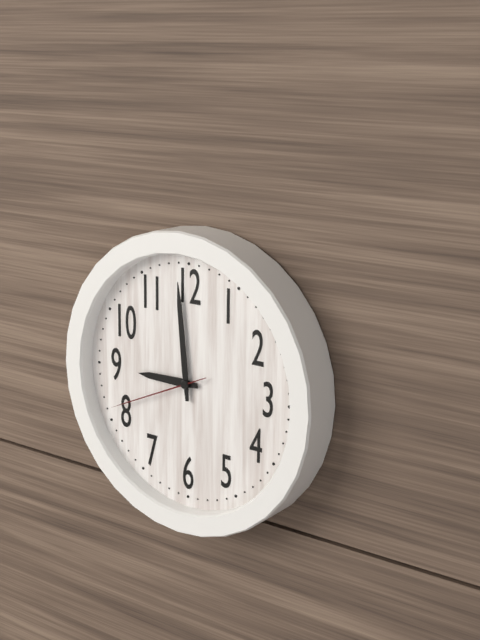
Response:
8h59m41s
